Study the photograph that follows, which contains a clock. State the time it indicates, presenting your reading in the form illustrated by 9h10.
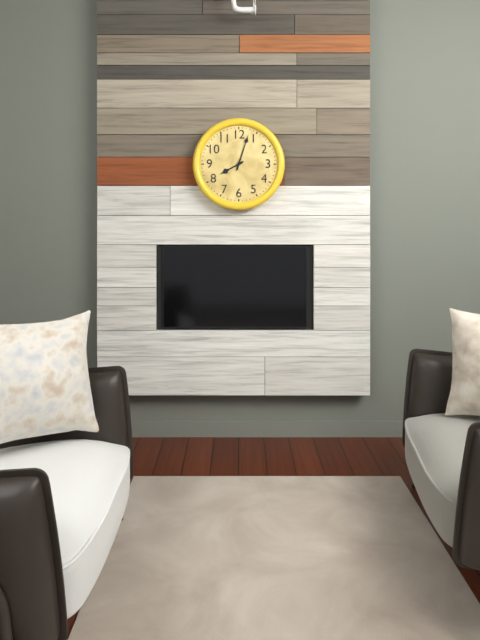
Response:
8h03
